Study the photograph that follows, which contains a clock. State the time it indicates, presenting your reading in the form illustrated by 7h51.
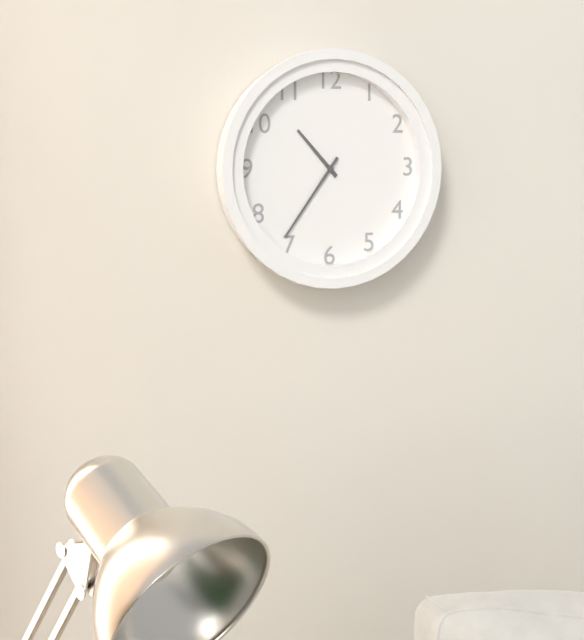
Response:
10h36
